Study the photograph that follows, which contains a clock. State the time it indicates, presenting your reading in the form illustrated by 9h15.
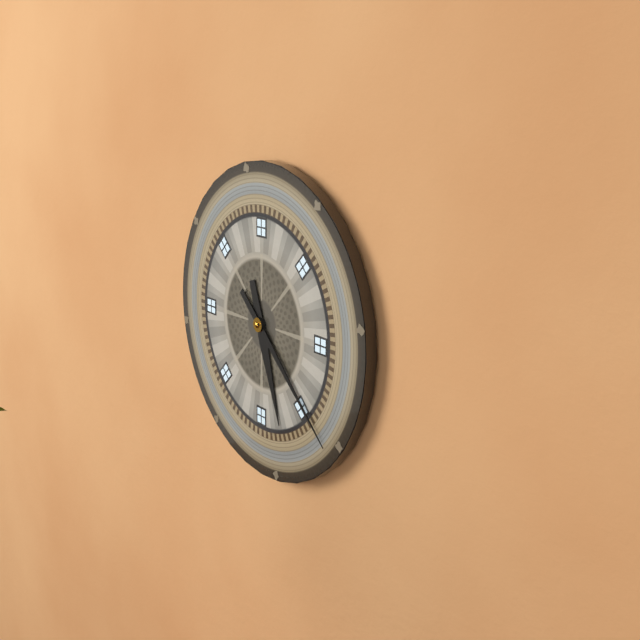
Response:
5h22
